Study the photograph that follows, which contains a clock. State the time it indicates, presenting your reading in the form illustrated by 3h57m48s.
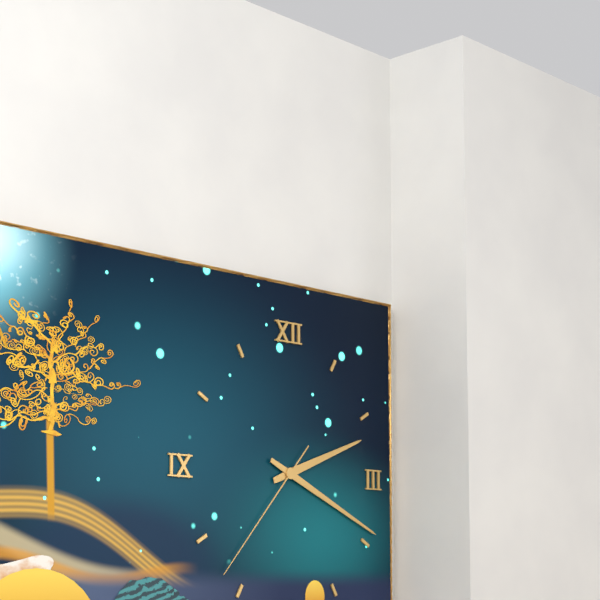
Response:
2h19m37s
